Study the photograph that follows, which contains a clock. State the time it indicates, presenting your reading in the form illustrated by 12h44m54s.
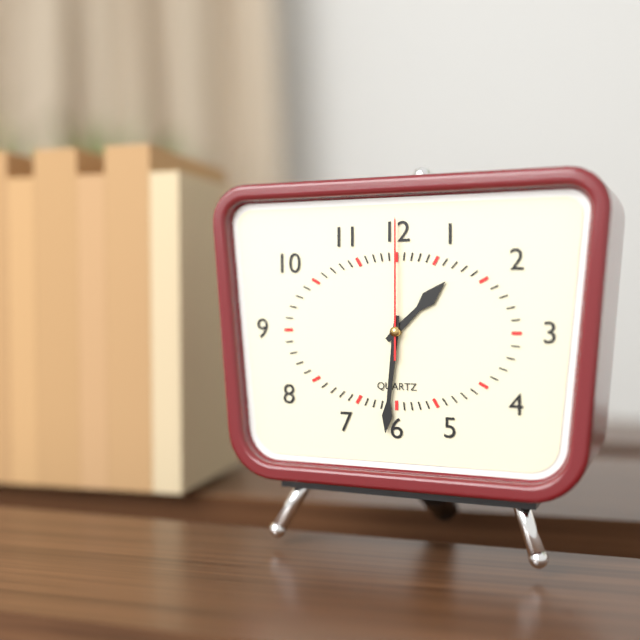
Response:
1h31m00s
